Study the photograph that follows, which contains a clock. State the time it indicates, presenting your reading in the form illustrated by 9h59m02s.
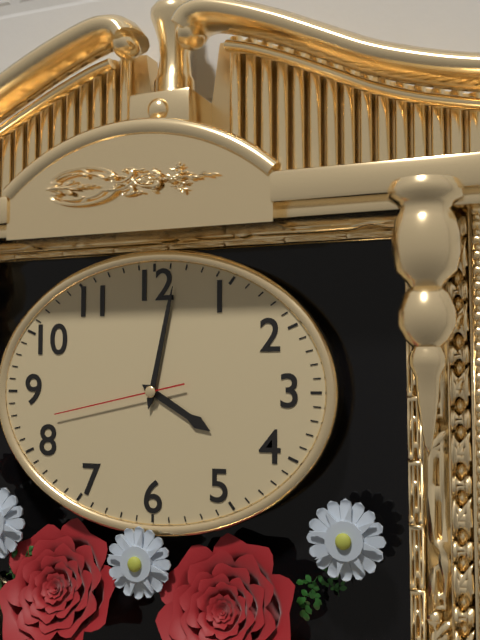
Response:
4h02m43s
